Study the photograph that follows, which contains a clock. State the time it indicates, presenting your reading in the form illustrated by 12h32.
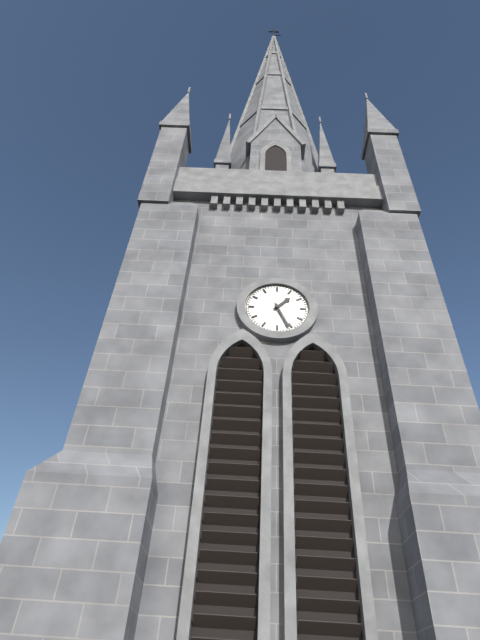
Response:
1h26
